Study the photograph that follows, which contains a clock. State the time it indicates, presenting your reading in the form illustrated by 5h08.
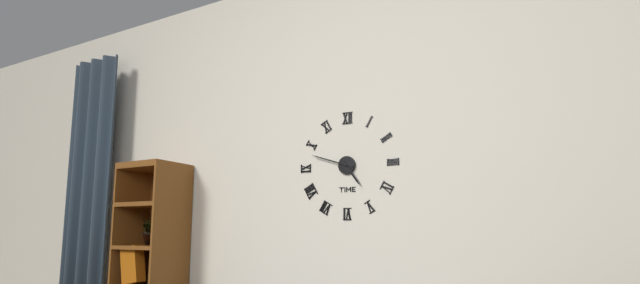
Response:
4h48
